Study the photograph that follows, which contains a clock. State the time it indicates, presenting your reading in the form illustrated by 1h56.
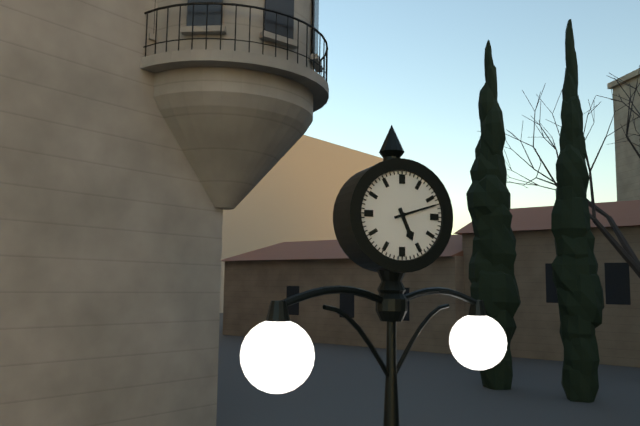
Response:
5h12
